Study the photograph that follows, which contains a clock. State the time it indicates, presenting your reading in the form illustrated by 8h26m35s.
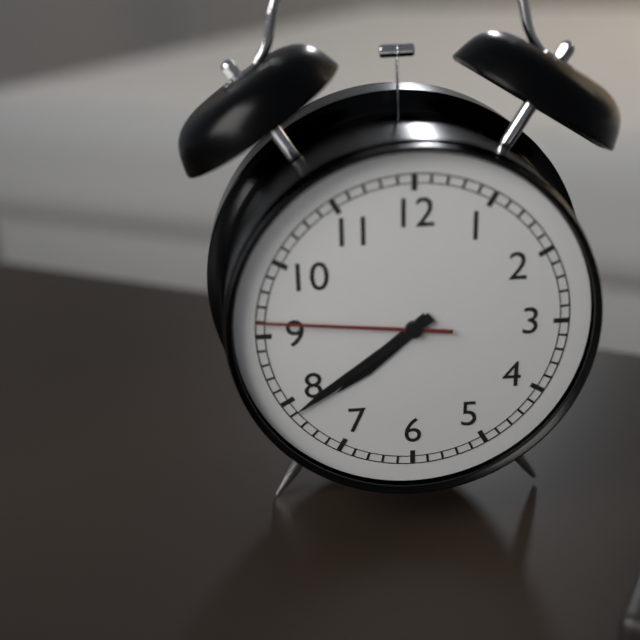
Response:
7h39m46s
